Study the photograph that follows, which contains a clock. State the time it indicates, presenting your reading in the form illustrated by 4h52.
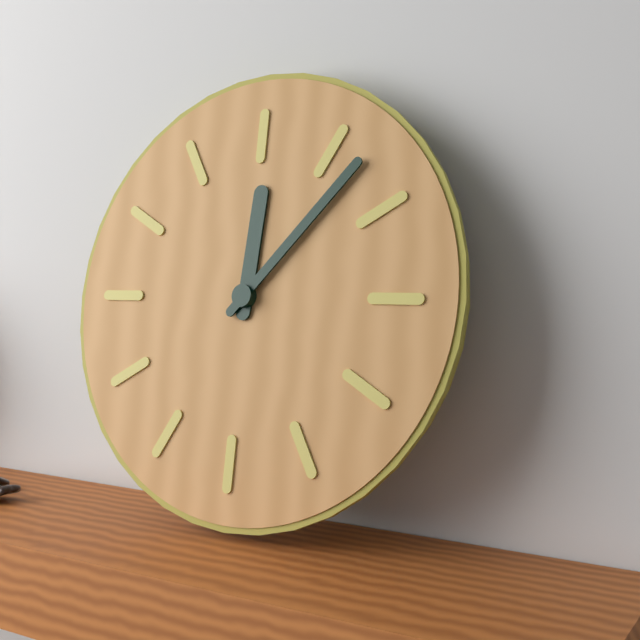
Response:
12h07
